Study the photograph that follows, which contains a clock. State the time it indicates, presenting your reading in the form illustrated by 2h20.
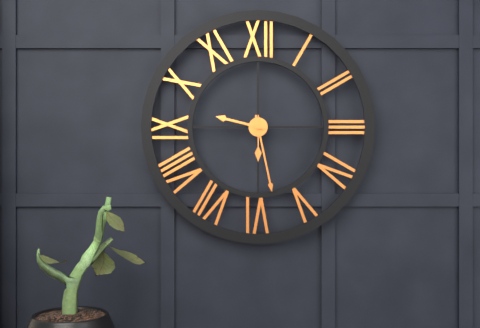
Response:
9h28
